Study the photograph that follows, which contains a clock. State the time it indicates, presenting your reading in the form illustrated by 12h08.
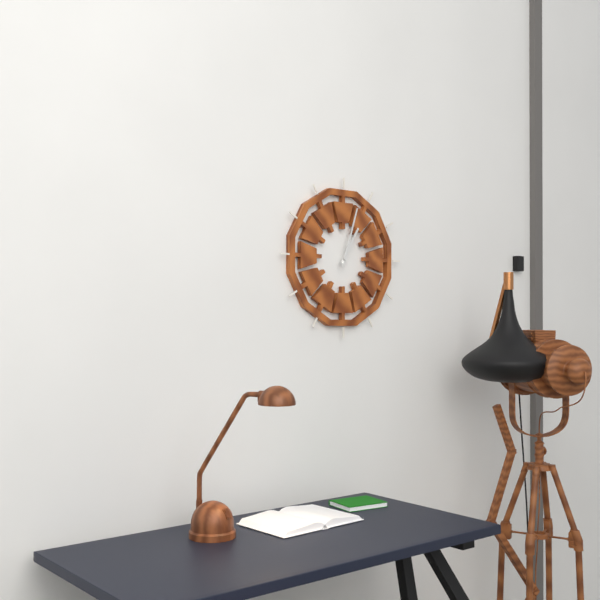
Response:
1h03
